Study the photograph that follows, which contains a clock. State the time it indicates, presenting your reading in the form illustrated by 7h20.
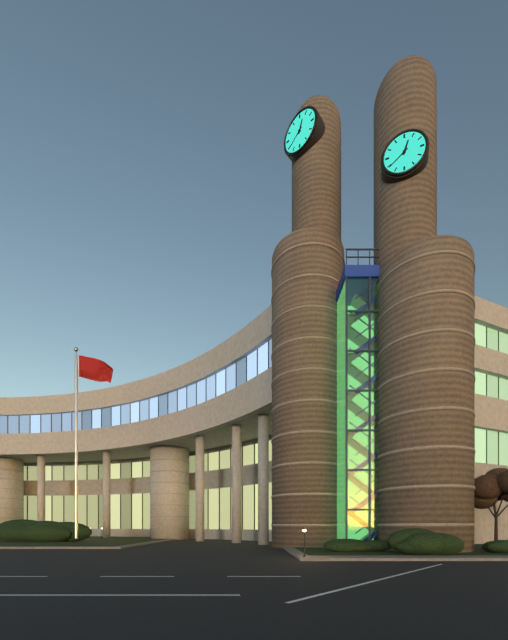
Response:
12h39
